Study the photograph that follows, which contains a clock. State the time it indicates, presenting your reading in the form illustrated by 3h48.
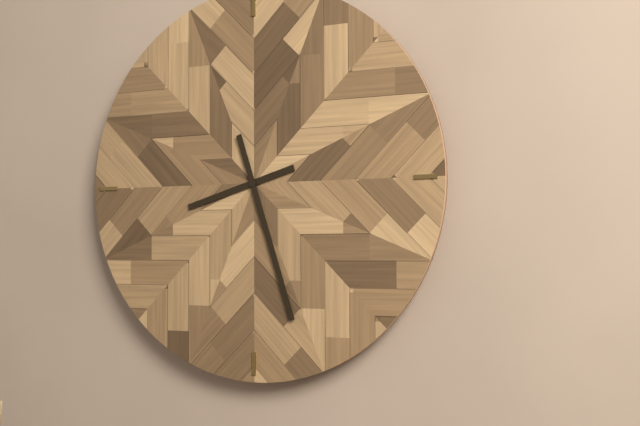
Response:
8h27
